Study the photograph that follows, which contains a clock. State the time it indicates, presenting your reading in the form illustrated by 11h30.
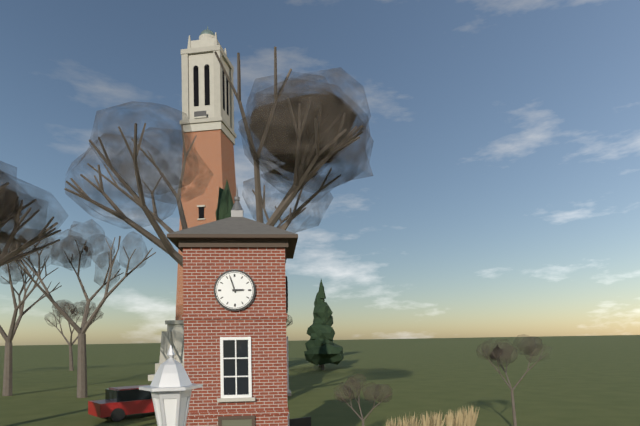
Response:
2h57
